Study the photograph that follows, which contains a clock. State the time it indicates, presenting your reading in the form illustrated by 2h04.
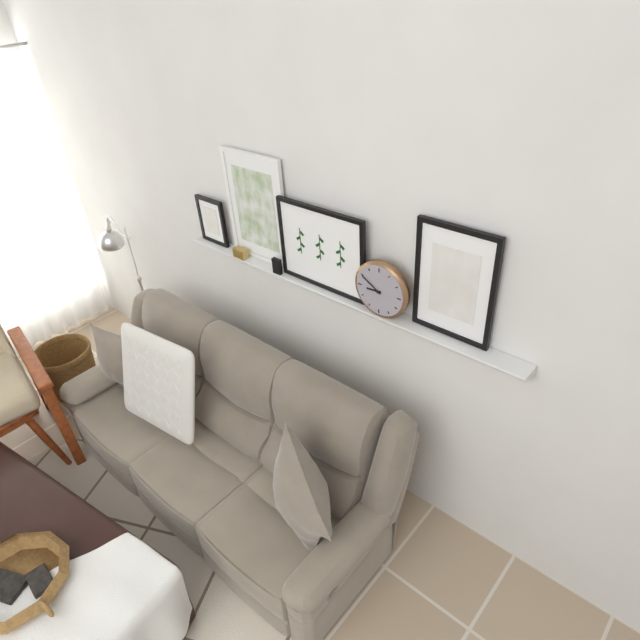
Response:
8h50
